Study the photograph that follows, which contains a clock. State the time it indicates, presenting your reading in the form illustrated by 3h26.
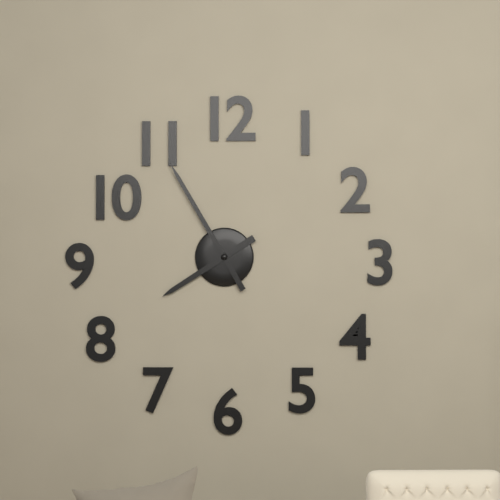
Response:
7h55
